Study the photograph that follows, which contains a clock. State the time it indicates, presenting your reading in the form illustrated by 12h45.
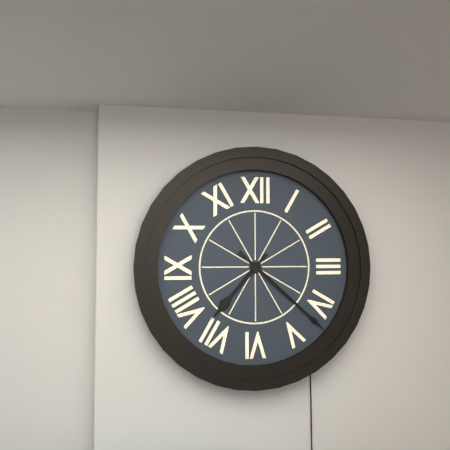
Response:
7h22
